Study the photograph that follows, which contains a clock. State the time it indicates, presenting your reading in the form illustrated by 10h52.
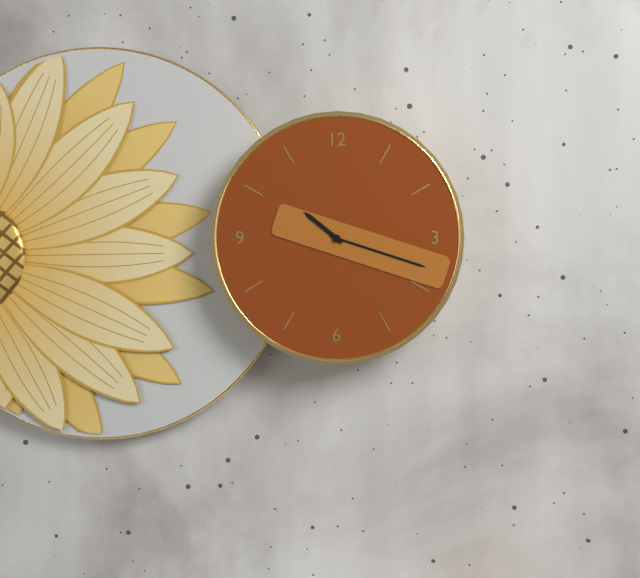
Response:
10h18
